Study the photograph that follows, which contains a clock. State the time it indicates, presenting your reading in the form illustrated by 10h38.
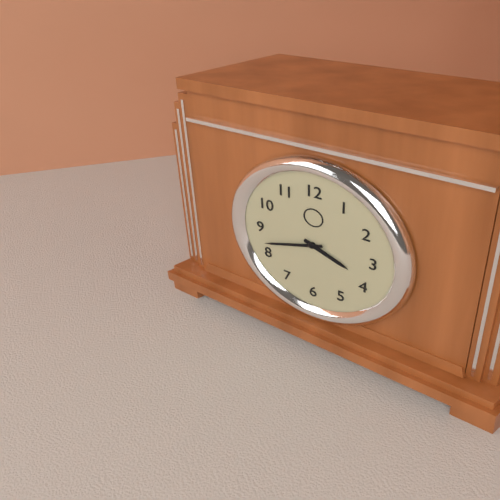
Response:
3h42
